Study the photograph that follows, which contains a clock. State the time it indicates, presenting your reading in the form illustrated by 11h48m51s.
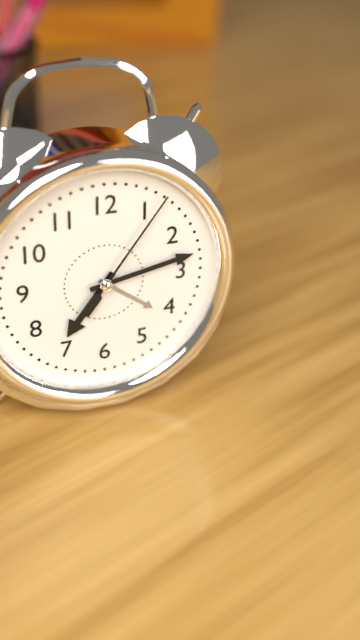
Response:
7h13m06s
